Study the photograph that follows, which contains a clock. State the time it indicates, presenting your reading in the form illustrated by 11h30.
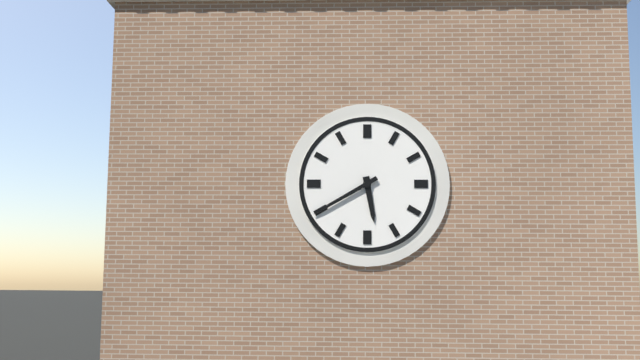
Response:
5h40
